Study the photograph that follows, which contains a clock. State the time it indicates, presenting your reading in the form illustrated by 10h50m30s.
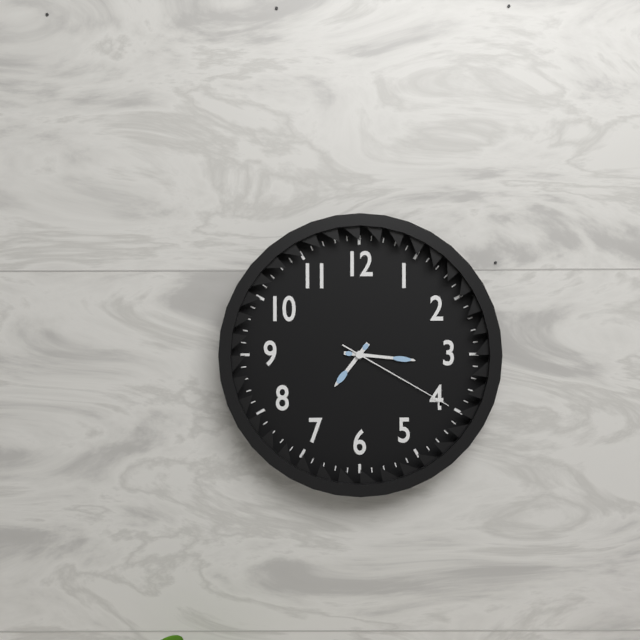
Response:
7h16m20s
